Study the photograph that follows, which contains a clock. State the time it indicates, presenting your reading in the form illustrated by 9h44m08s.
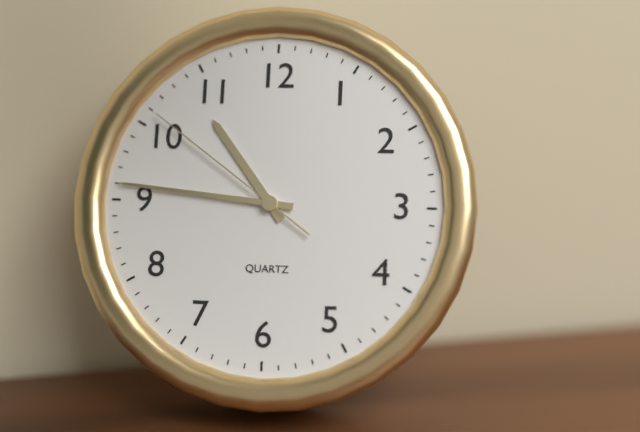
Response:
10h46m51s
